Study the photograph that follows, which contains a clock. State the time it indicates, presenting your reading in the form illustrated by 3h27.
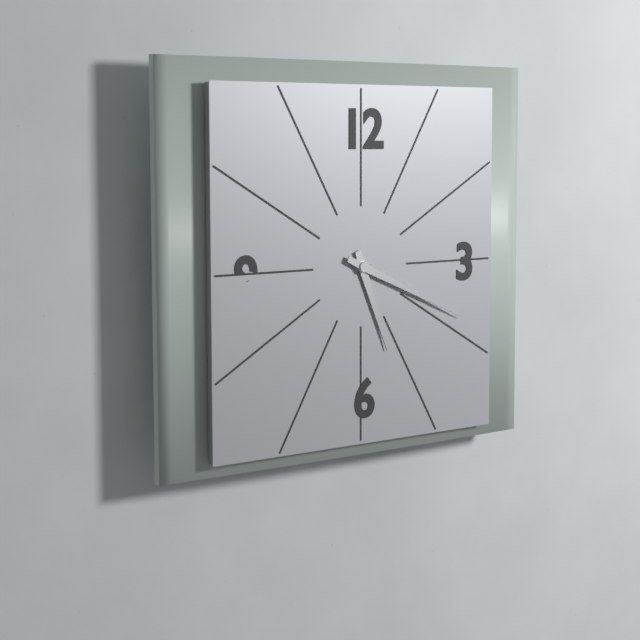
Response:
5h19
